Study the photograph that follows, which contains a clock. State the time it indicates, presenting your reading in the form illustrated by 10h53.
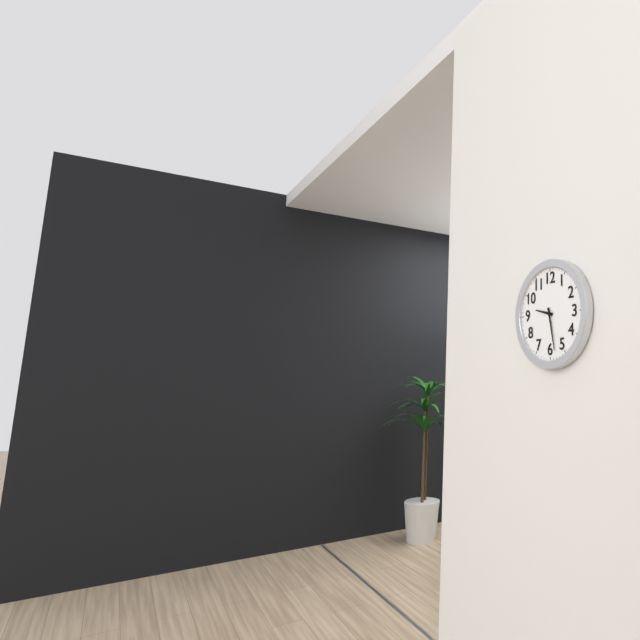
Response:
9h28
